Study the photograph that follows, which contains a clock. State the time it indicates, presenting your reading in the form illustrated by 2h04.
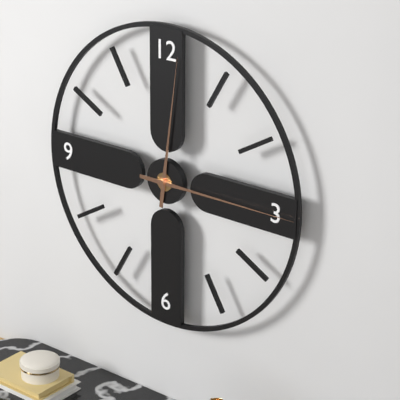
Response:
12h15
